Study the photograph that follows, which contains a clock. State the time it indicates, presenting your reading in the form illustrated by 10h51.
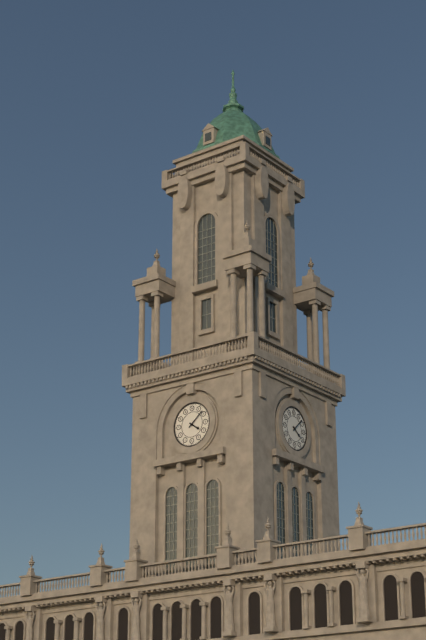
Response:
4h08
